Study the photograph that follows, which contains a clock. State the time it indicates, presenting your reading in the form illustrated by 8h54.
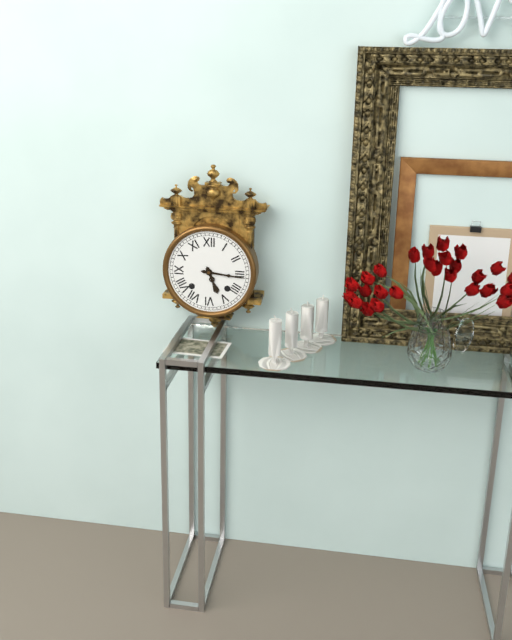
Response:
5h16
